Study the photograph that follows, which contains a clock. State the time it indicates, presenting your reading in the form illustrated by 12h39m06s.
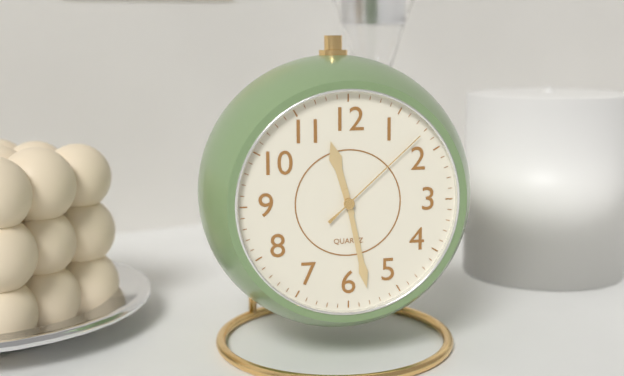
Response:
11h28m08s
